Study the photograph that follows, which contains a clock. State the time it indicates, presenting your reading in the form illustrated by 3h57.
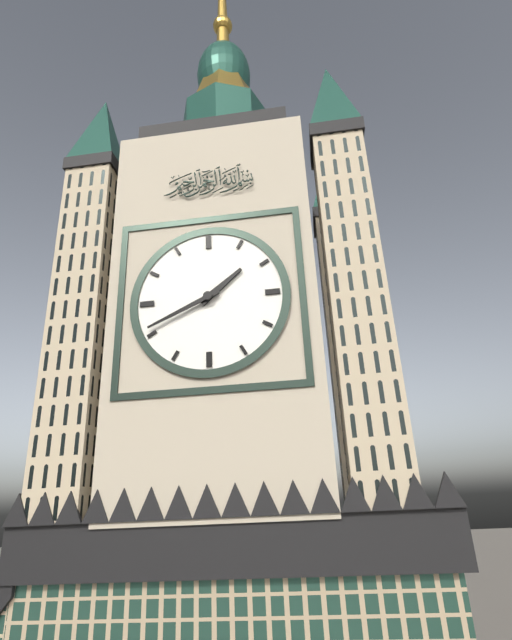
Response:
1h41
